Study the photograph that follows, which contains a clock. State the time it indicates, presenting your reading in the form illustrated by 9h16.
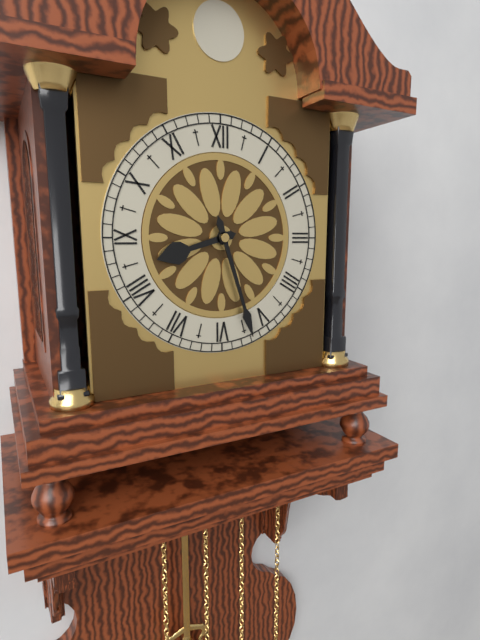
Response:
8h27
